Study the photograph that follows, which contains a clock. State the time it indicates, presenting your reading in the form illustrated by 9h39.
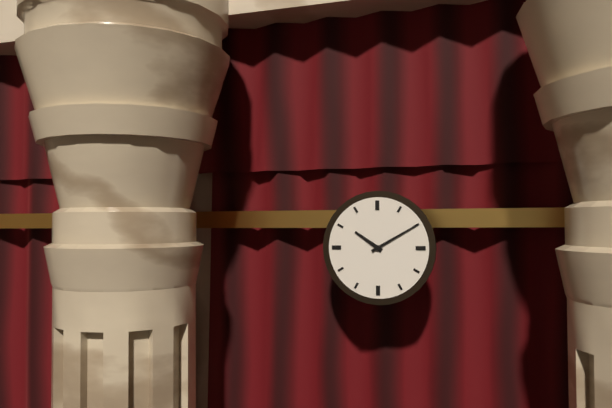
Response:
10h10
